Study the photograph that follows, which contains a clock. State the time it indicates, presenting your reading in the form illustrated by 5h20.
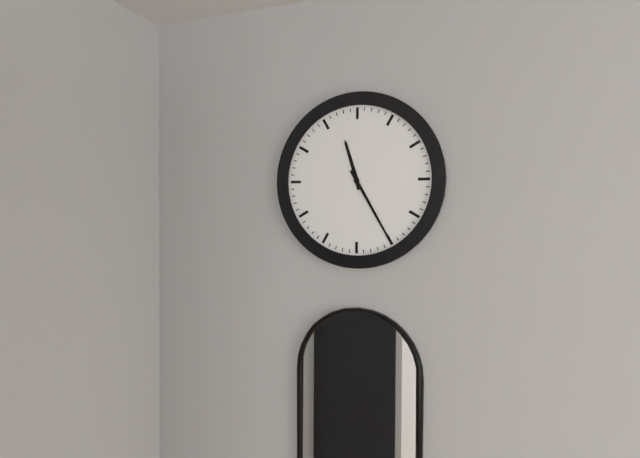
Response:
11h25
